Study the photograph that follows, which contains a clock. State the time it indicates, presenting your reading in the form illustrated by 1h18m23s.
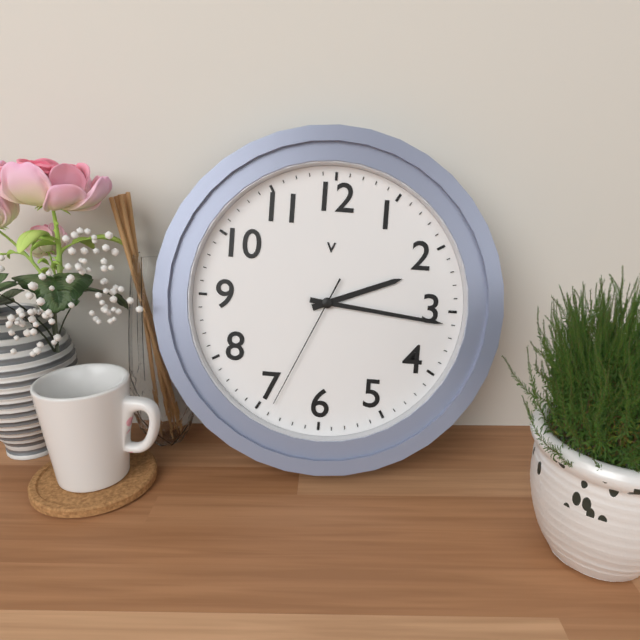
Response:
2h16m34s
